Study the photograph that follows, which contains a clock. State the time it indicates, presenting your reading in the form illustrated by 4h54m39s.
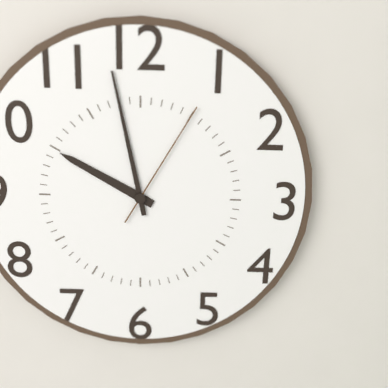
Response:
9h58m05s
